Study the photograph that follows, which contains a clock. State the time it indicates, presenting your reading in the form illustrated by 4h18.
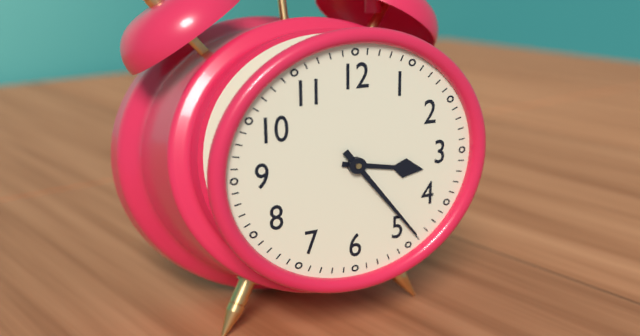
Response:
3h24
